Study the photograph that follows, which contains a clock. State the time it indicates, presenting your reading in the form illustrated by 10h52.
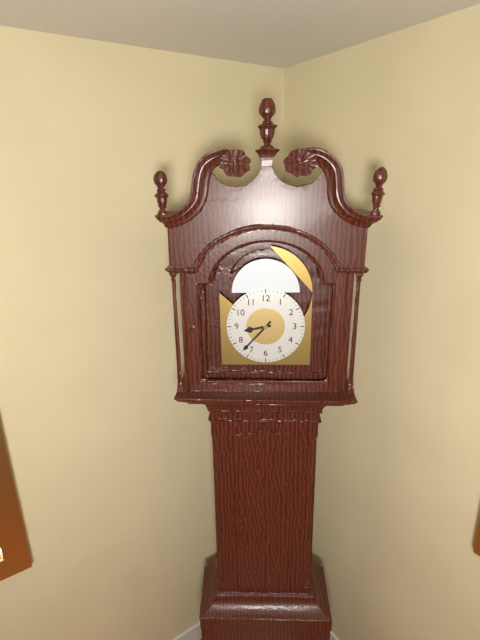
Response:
8h37
